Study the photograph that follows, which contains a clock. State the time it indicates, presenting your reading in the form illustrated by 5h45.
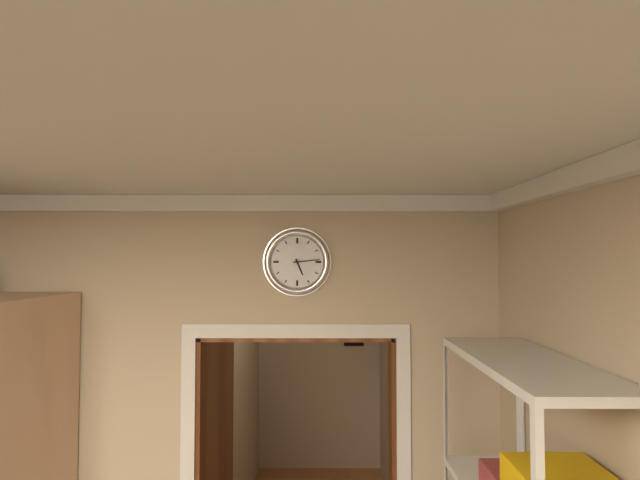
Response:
5h14
